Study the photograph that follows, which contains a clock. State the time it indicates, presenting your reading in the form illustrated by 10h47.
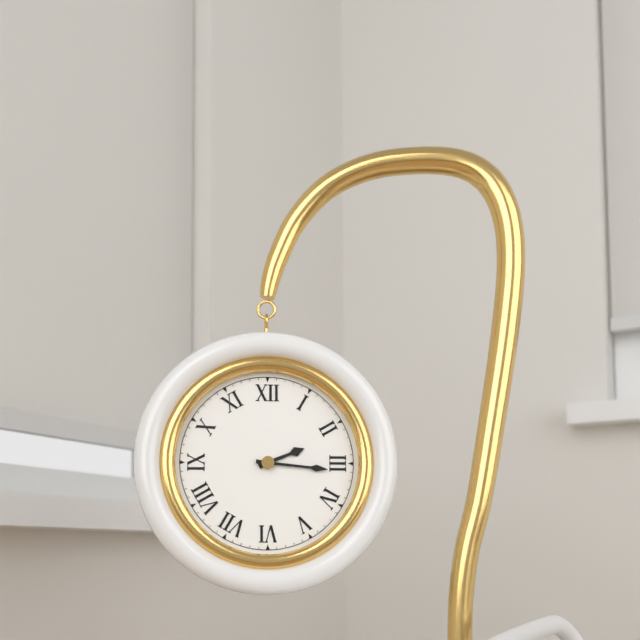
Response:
2h16
